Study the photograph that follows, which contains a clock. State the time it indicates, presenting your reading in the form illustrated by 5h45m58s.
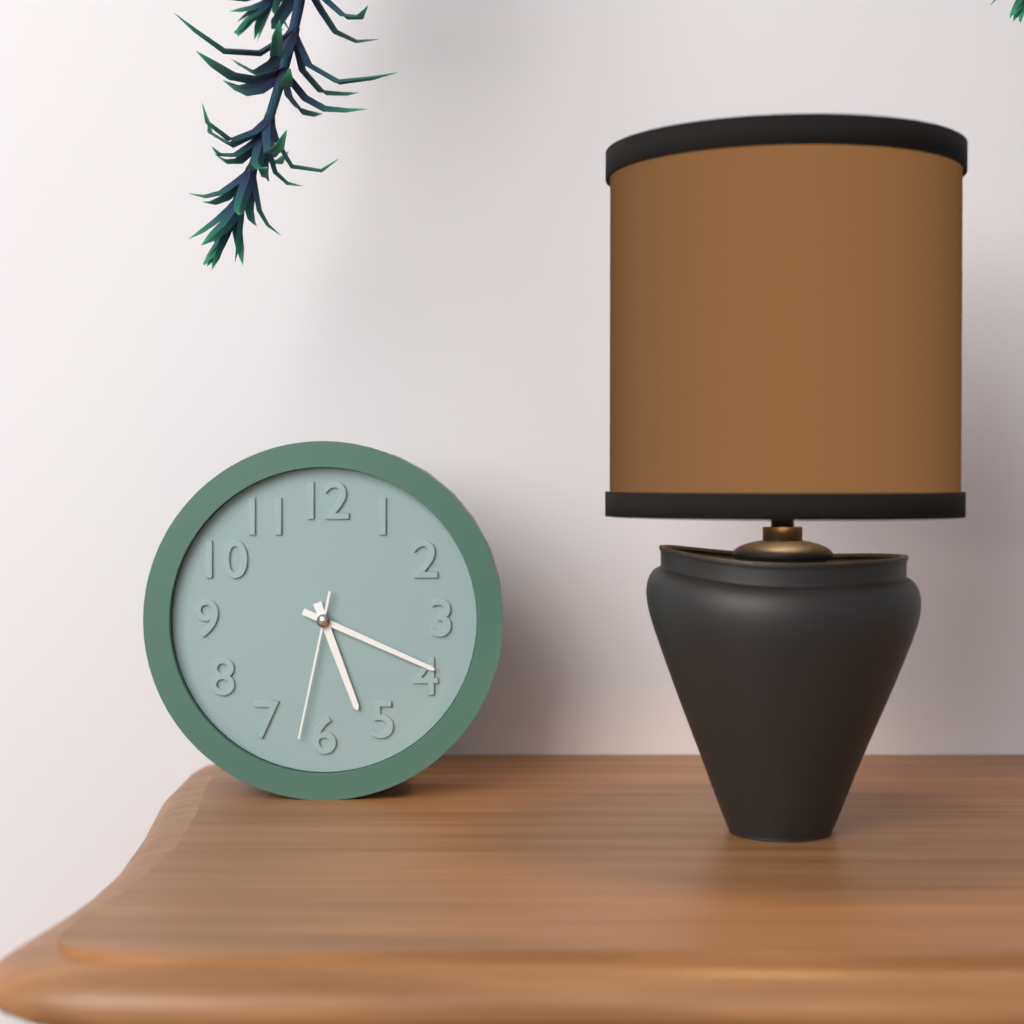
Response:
5h19m32s
